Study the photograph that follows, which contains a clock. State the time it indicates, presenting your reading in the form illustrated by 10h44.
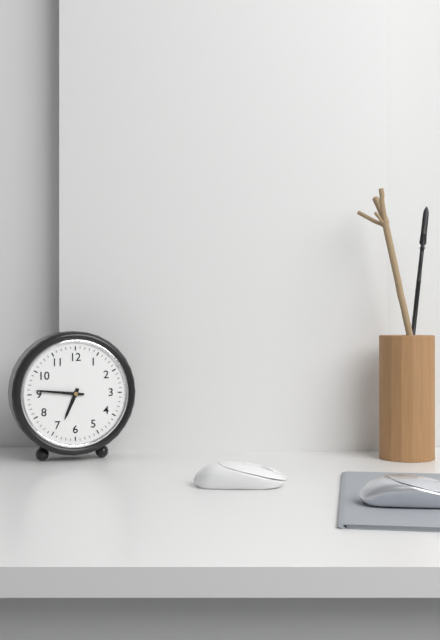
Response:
6h46
